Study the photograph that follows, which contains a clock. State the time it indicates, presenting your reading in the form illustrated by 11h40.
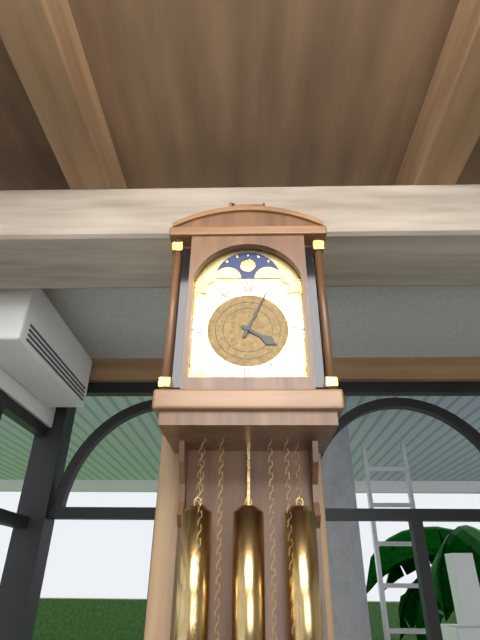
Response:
4h04
